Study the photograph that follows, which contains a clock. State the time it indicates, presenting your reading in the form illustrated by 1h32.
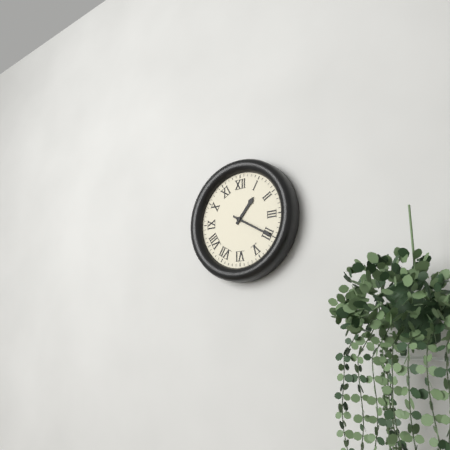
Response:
1h20
